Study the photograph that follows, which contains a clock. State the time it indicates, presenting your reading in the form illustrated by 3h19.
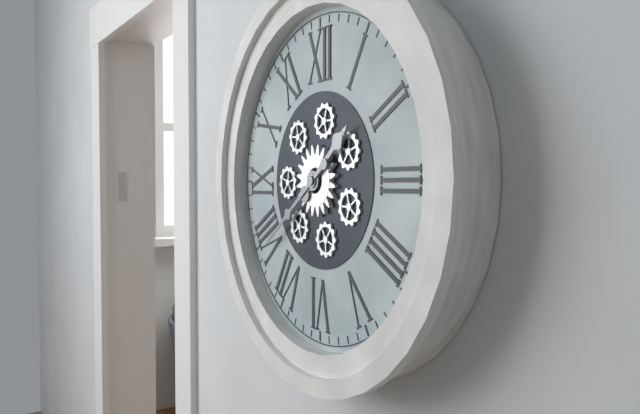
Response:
1h39
